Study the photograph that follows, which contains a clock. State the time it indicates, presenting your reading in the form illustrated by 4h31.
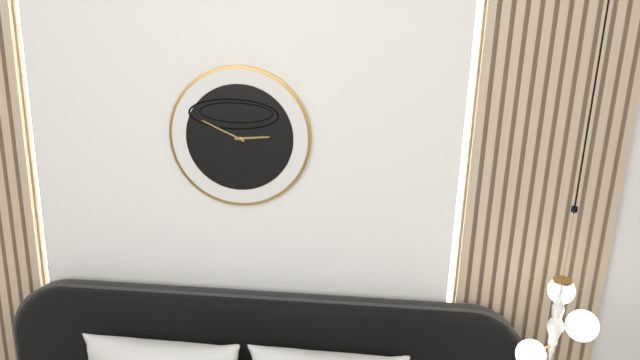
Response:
2h49
